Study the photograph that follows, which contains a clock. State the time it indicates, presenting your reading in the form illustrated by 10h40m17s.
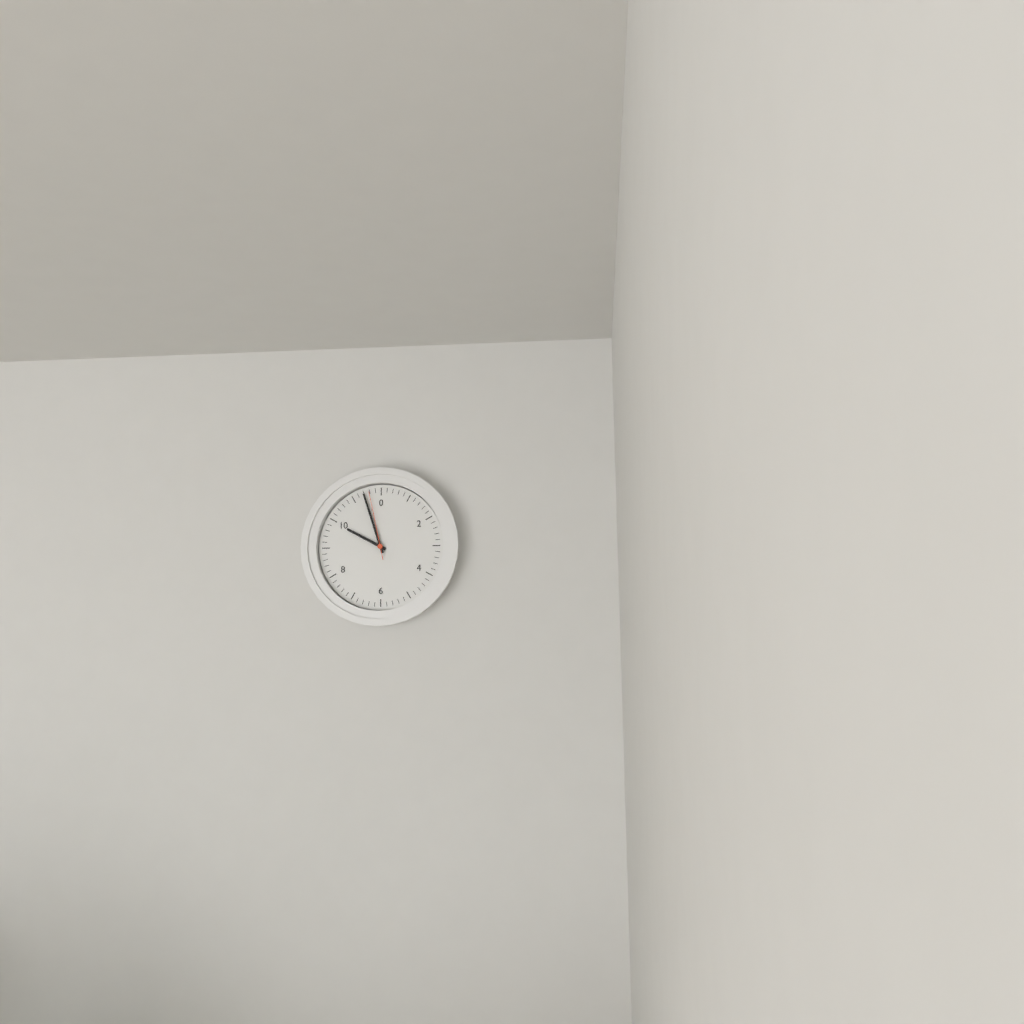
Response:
9h57m58s
